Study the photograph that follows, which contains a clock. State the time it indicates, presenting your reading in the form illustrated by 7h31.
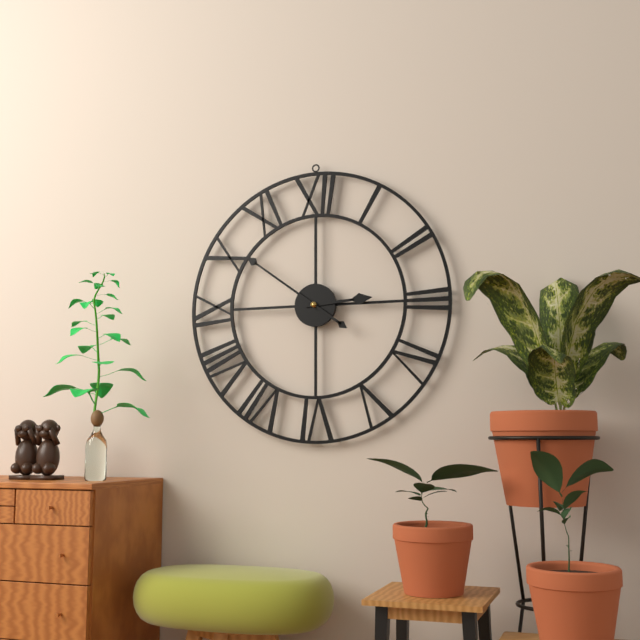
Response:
2h51
